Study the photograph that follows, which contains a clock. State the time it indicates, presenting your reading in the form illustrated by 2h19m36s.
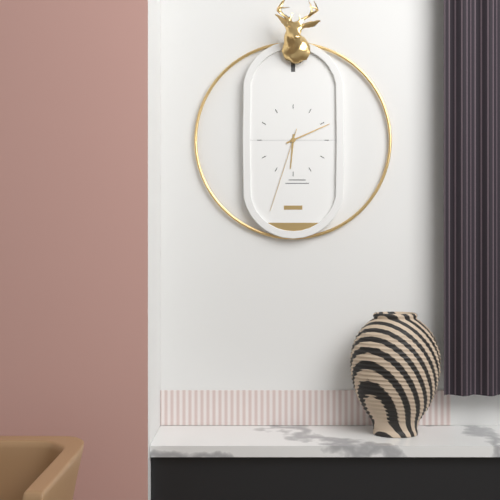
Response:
6h11m33s
